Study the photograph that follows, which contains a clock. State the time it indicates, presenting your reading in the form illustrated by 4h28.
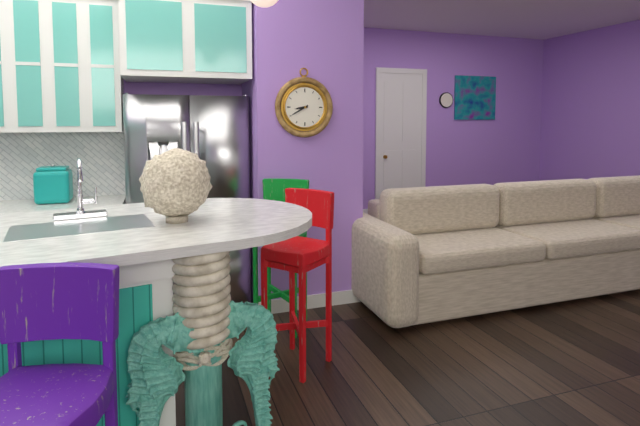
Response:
8h40
